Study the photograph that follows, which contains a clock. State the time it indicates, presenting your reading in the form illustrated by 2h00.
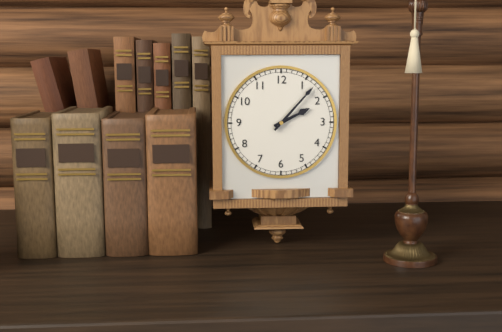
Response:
2h07
